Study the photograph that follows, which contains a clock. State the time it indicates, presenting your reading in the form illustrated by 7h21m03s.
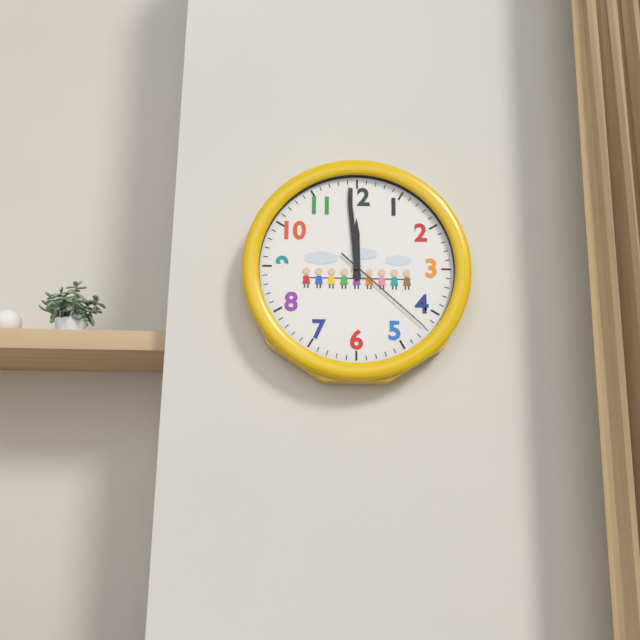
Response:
11h59m22s
